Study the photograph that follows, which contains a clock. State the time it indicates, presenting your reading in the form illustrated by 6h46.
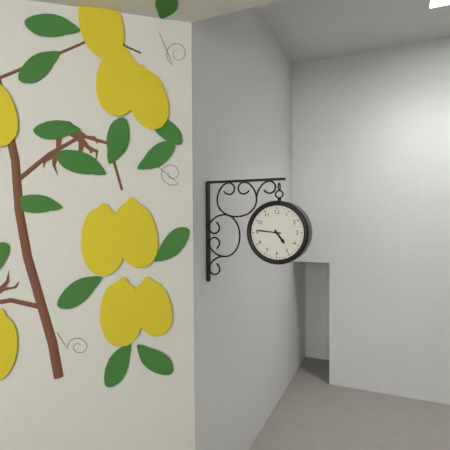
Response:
4h46
